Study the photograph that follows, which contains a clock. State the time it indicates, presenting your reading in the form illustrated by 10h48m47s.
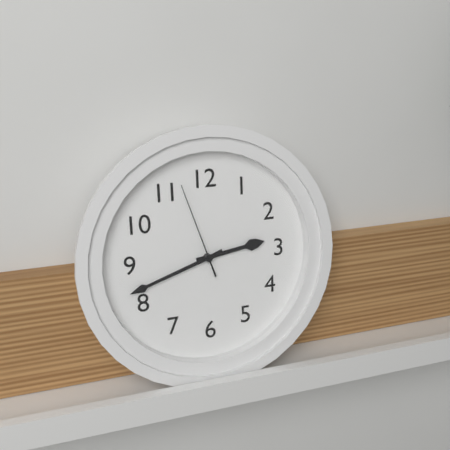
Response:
2h42m57s
